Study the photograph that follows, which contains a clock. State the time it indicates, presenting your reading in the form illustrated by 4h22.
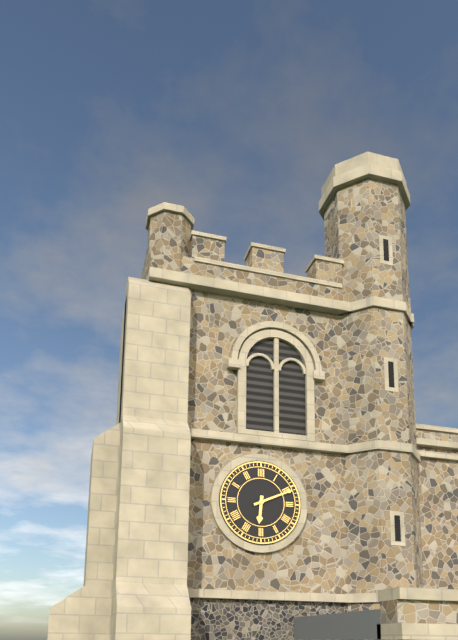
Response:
6h11
